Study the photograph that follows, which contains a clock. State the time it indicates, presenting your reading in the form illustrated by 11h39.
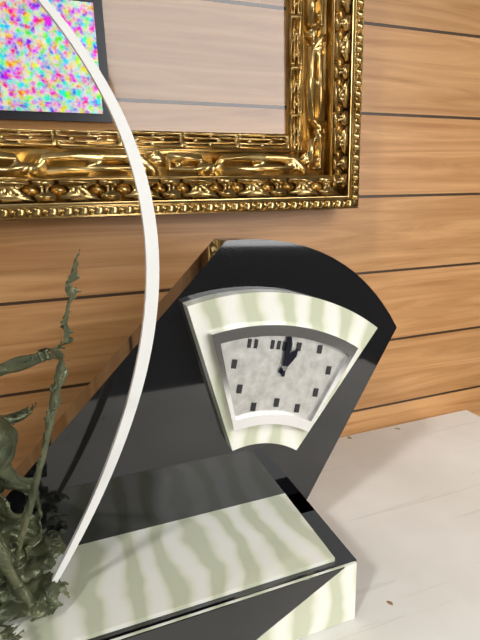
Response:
1h00
